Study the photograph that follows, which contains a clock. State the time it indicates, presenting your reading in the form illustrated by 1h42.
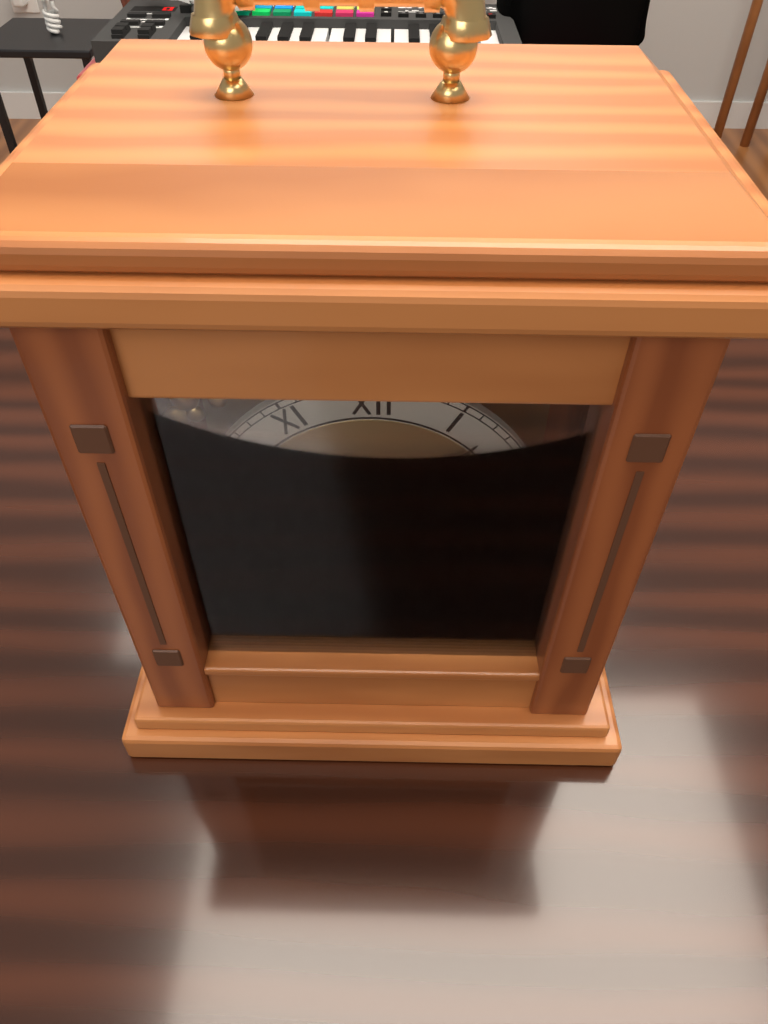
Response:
9h07
